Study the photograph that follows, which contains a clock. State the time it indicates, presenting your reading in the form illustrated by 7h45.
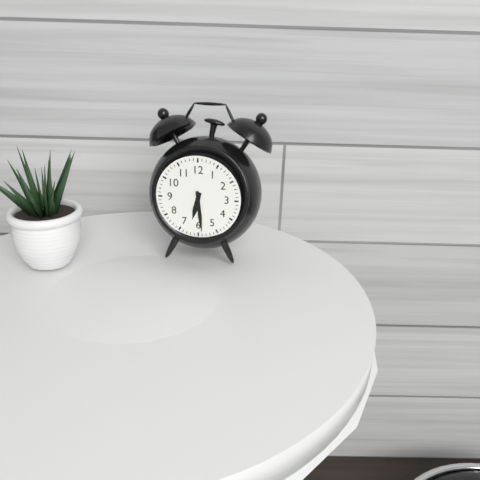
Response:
6h29
